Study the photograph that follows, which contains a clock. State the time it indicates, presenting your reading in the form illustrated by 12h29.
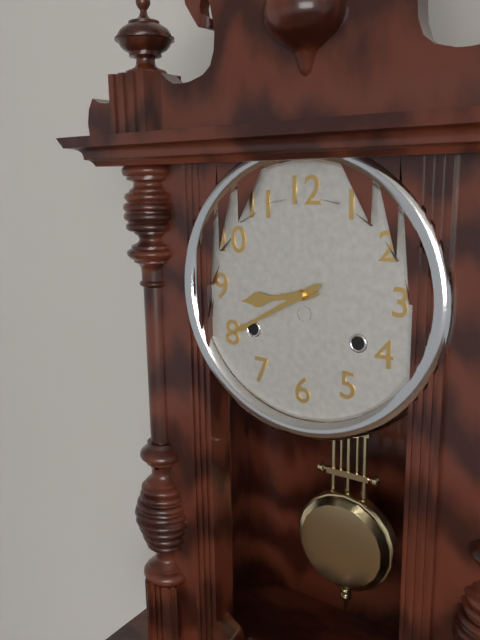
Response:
8h40
